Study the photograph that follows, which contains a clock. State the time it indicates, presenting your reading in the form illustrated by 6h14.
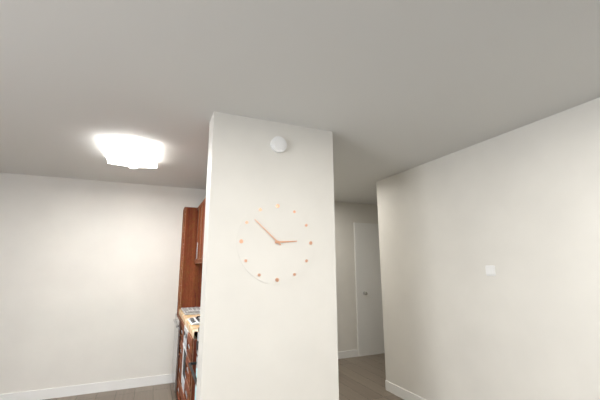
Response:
2h52
